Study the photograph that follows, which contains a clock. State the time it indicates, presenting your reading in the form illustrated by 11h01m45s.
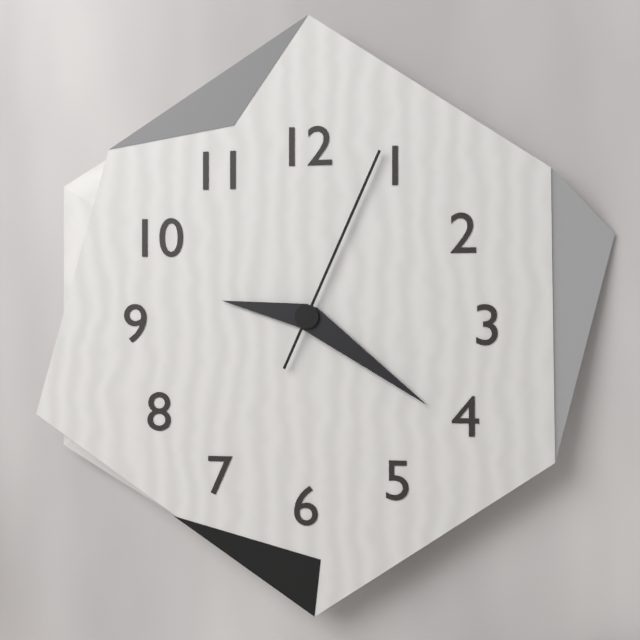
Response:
9h21m04s
